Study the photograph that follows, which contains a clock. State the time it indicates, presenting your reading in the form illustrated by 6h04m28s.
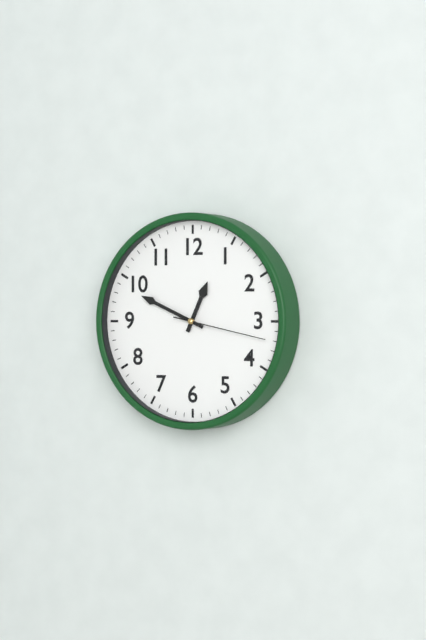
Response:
12h49m17s
